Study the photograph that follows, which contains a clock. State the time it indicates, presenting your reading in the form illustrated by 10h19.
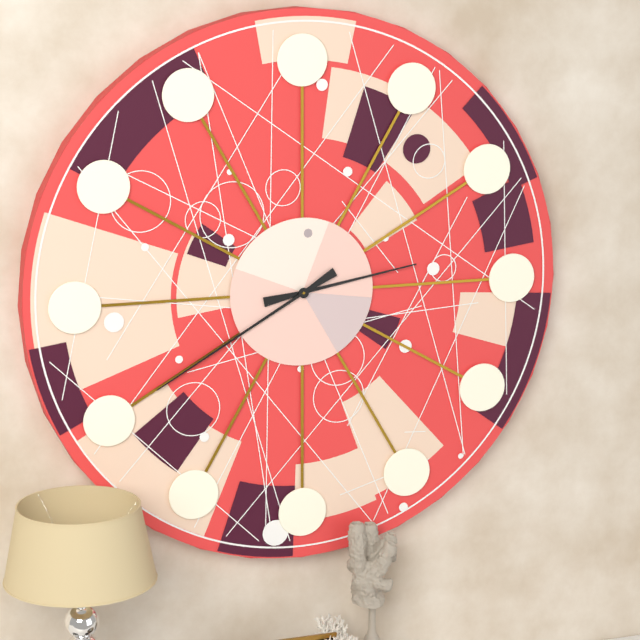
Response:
2h40
